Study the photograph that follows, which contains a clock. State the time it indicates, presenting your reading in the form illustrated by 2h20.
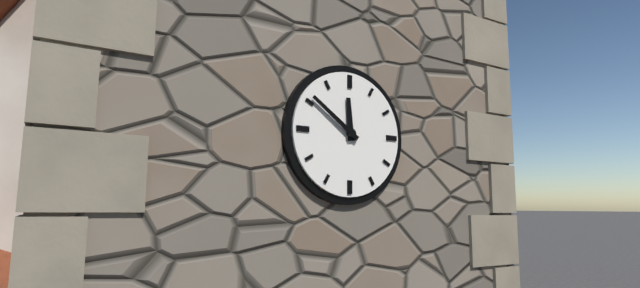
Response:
11h51
